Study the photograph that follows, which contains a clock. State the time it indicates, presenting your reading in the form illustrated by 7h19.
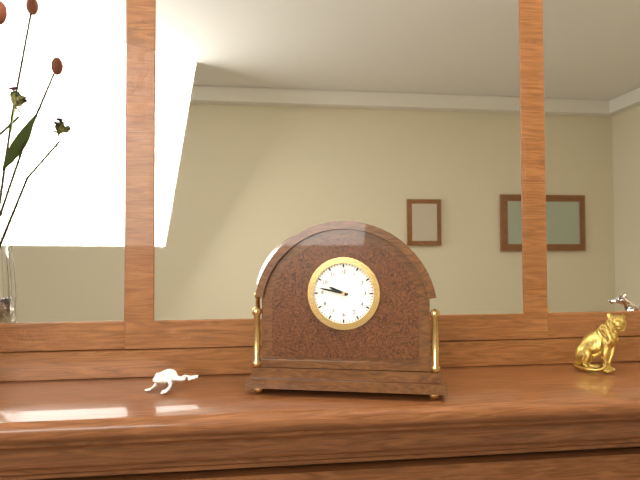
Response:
9h47
